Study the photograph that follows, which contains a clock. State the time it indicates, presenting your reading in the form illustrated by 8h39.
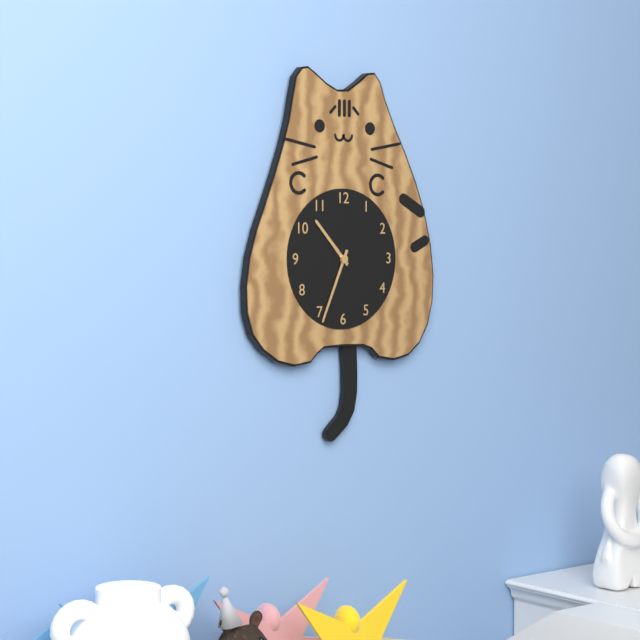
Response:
10h34
